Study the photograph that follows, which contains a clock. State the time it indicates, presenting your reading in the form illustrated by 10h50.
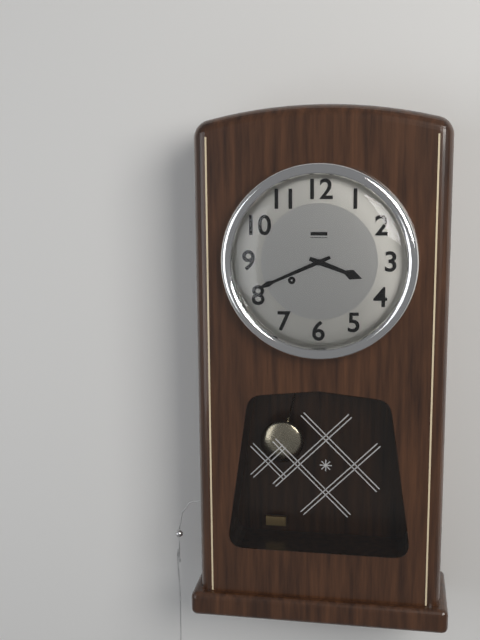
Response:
3h41
